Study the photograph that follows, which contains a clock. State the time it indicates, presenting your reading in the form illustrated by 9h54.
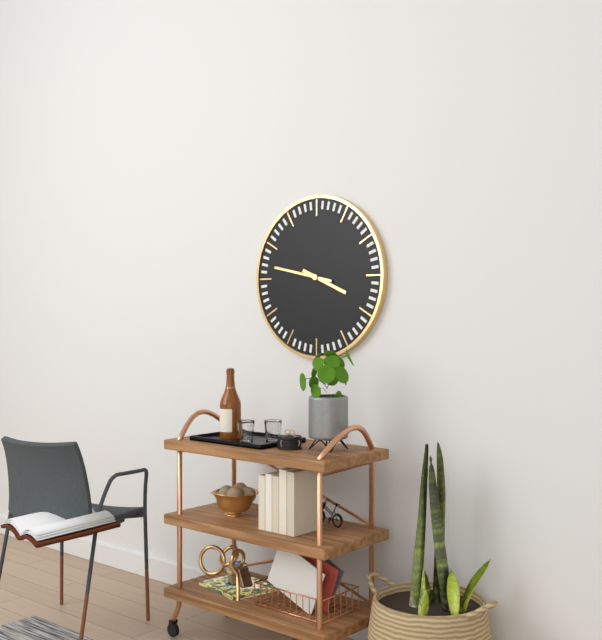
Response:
3h47
